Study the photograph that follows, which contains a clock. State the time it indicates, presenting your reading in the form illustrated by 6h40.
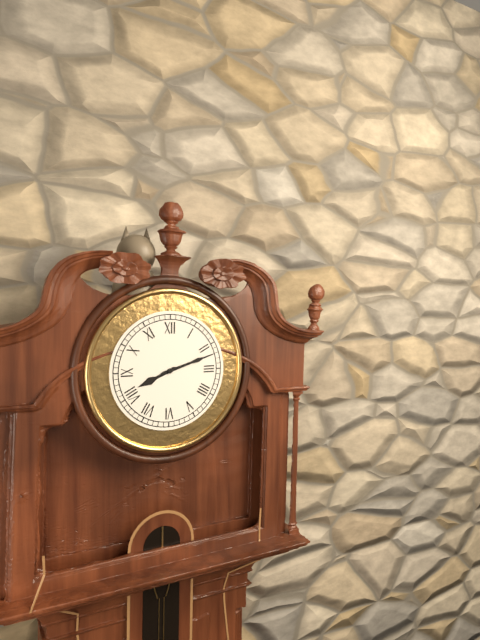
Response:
8h12
